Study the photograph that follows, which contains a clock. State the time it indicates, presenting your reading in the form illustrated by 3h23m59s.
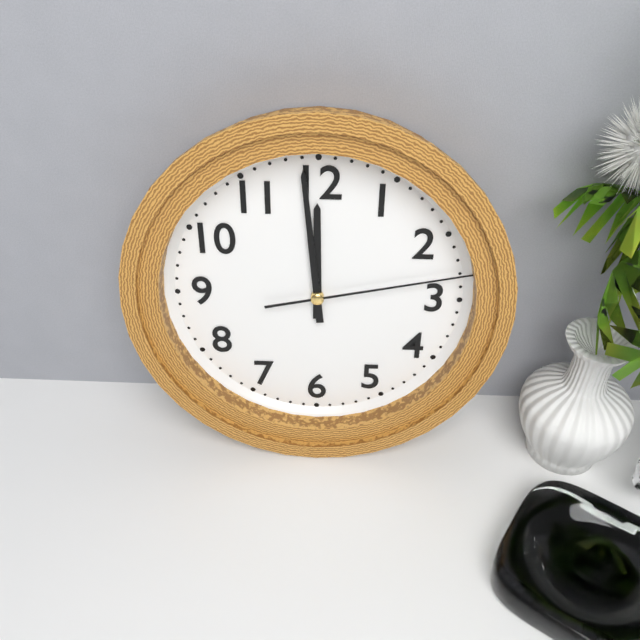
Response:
11h59m13s
